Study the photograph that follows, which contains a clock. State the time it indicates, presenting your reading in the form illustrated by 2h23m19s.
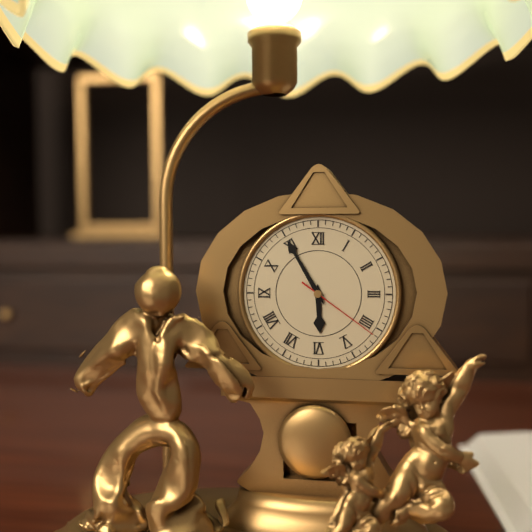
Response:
5h55m21s
